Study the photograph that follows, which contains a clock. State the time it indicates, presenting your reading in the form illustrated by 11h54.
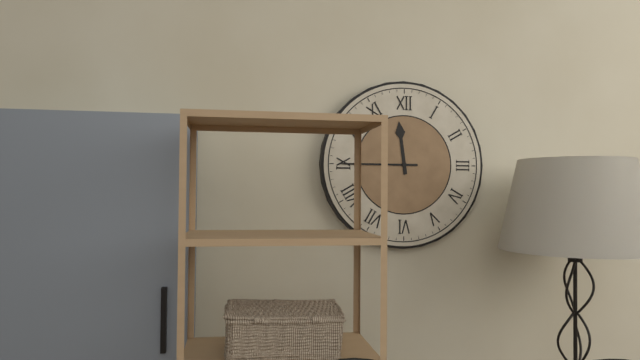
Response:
11h45
